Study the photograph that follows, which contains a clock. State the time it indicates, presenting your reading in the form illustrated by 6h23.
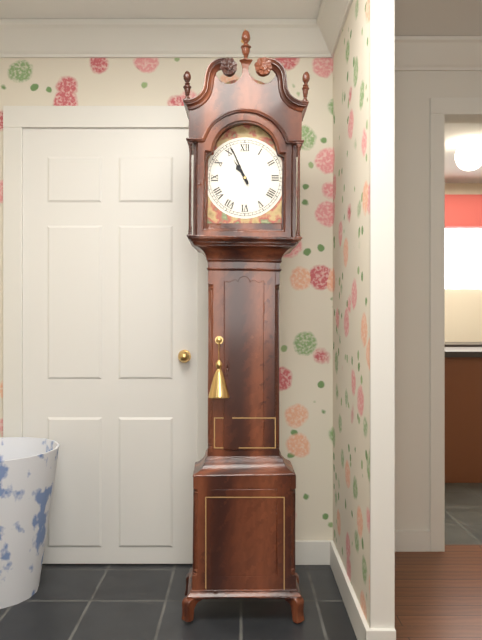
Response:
10h56
